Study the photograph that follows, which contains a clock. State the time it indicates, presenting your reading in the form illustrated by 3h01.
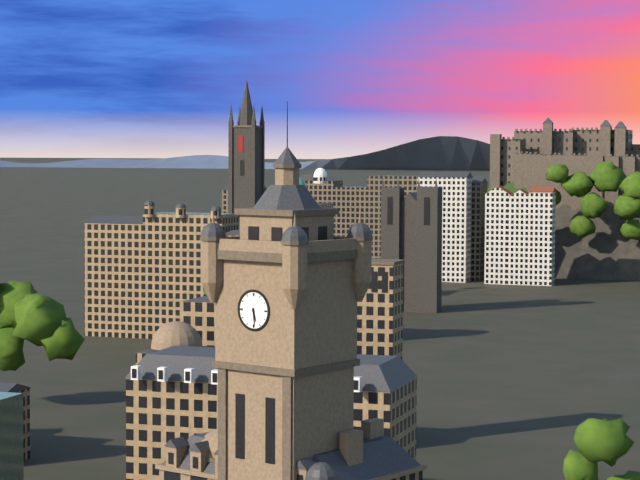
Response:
5h29
